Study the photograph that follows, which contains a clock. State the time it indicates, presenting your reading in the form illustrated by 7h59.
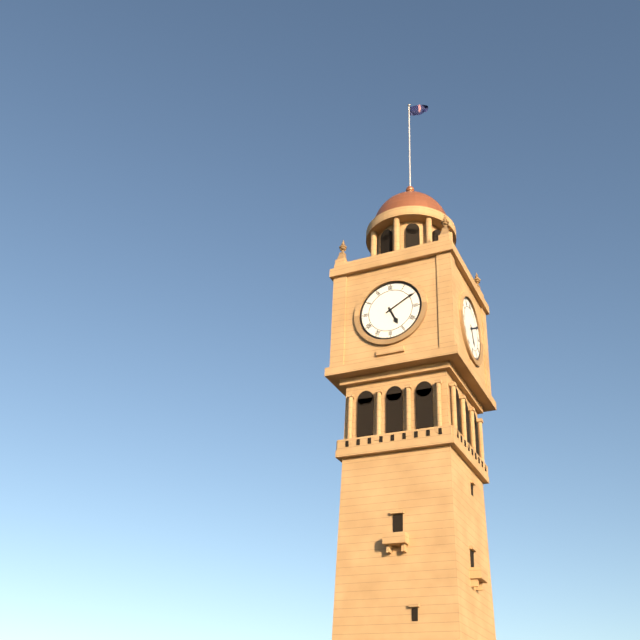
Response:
5h10
